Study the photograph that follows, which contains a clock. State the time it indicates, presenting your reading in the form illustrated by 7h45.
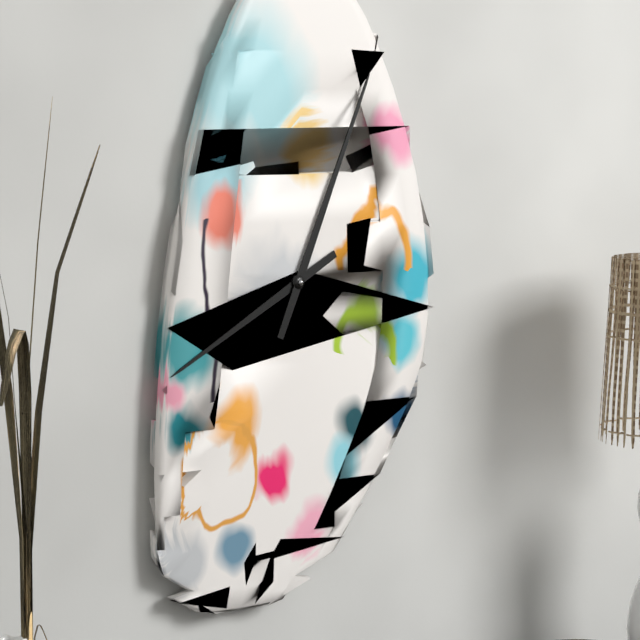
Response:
8h04
